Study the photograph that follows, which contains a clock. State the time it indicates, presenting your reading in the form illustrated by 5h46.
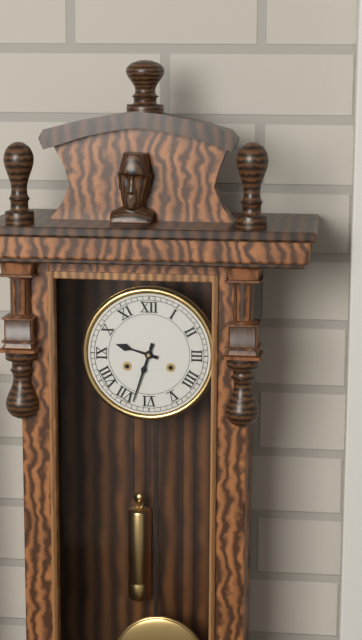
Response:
9h33
